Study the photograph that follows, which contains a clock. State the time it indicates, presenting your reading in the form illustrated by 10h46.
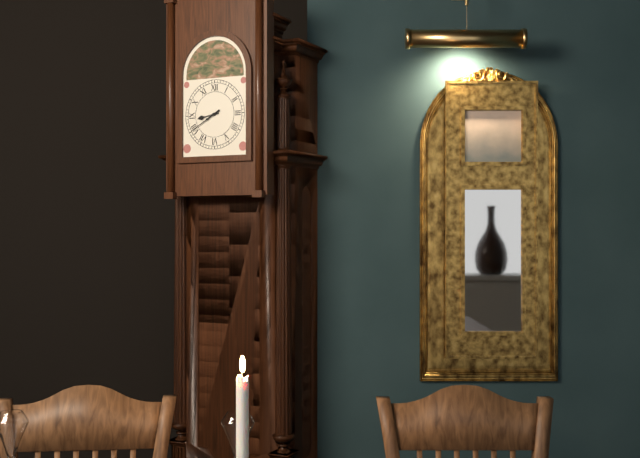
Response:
8h40
